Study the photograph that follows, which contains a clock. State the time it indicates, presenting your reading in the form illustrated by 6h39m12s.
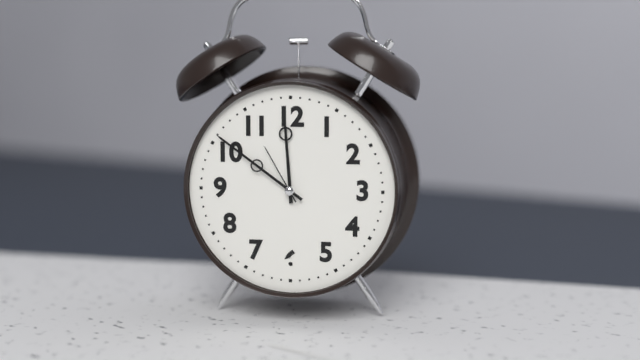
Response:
11h51m55s
